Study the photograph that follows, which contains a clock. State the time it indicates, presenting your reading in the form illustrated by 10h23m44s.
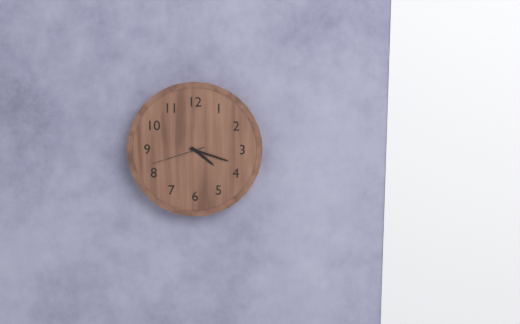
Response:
4h18m42s
